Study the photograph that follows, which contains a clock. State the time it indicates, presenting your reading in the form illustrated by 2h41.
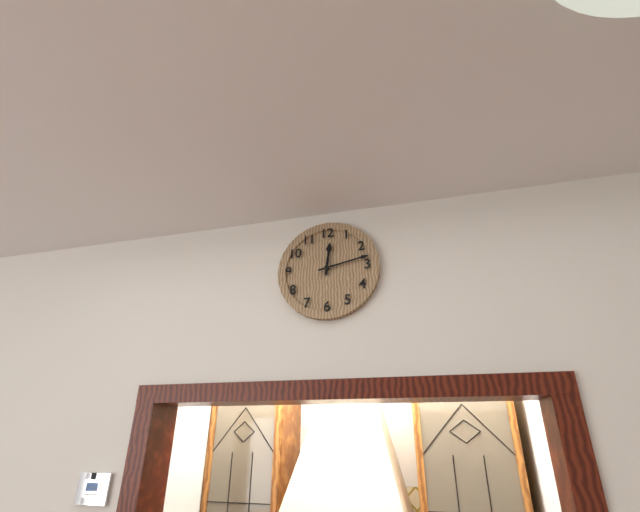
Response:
12h13
